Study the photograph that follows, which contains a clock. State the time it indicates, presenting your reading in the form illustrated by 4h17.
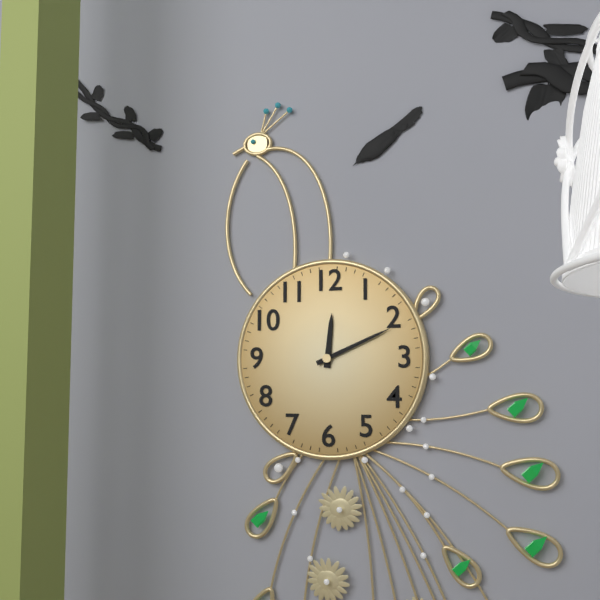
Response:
12h11
